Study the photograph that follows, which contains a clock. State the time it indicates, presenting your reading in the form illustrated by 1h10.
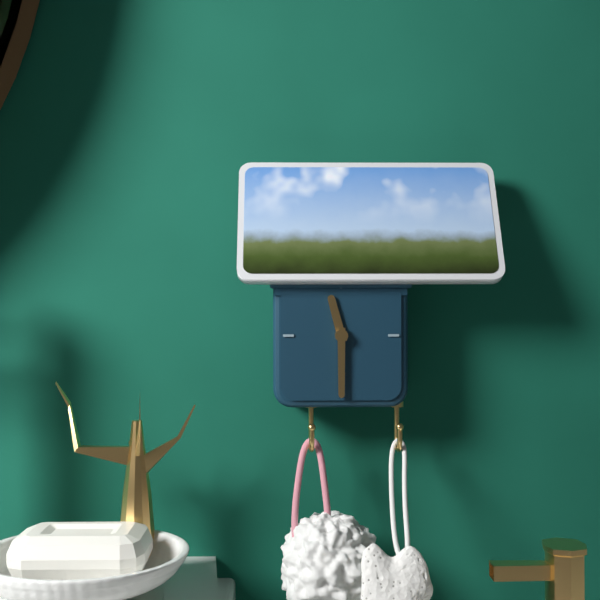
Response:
11h30
